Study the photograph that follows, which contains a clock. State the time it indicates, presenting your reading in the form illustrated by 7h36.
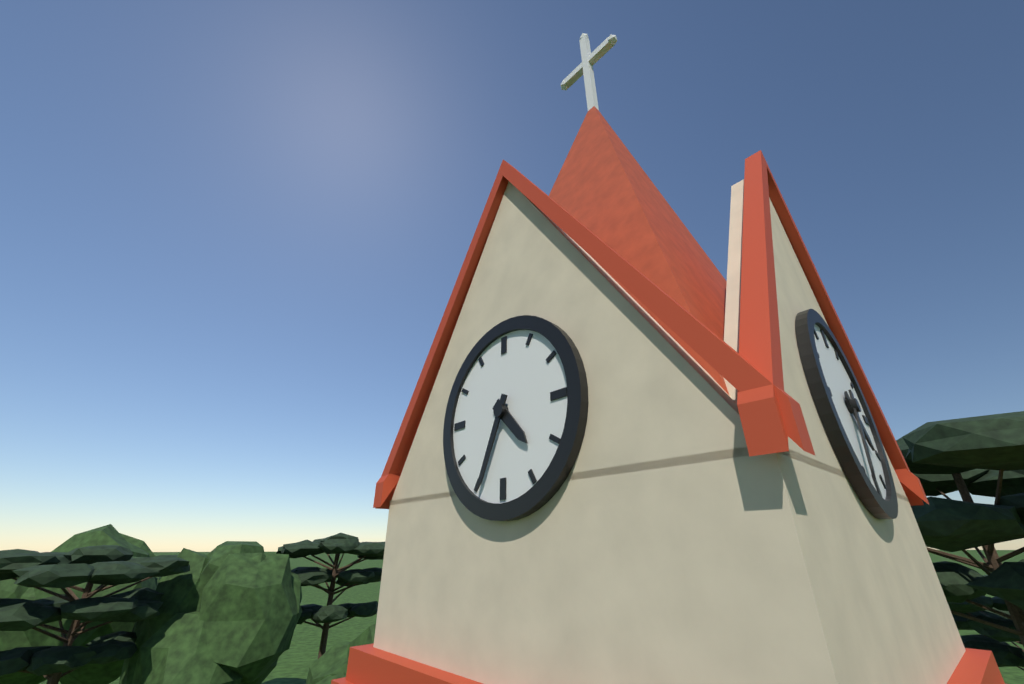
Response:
4h34
